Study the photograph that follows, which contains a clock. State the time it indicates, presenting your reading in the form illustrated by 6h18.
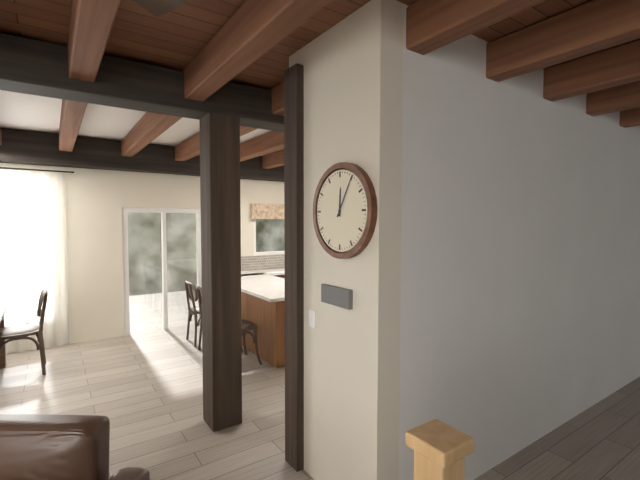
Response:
12h05
